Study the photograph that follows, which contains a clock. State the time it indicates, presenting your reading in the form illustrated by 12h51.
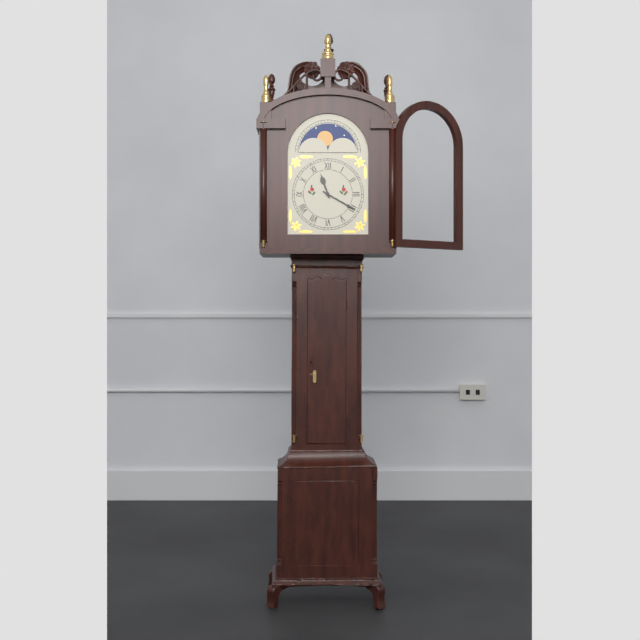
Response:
11h20
